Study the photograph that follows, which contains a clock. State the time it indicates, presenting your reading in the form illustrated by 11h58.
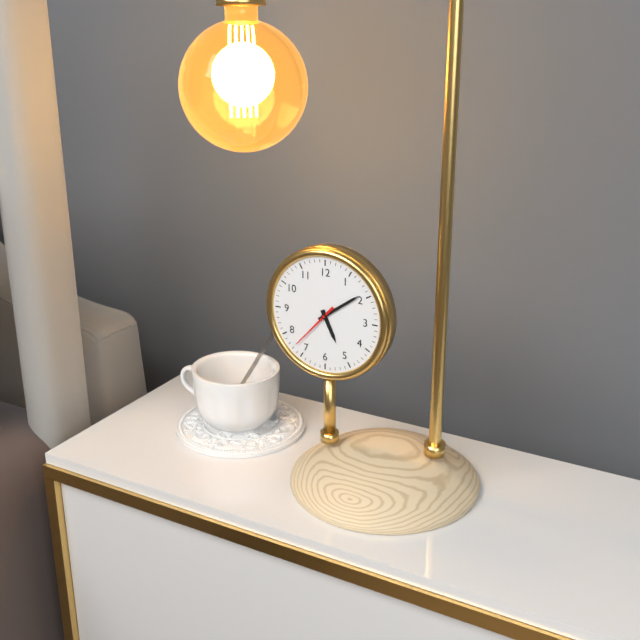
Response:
5h09
